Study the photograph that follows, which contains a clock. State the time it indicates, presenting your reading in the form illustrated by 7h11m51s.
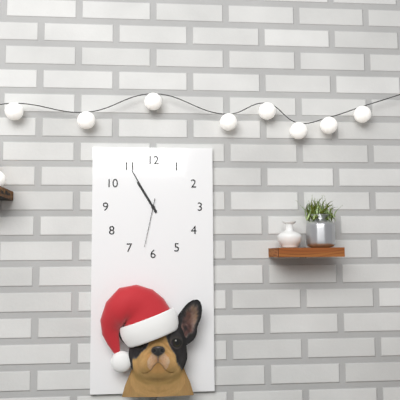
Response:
10h55m32s
